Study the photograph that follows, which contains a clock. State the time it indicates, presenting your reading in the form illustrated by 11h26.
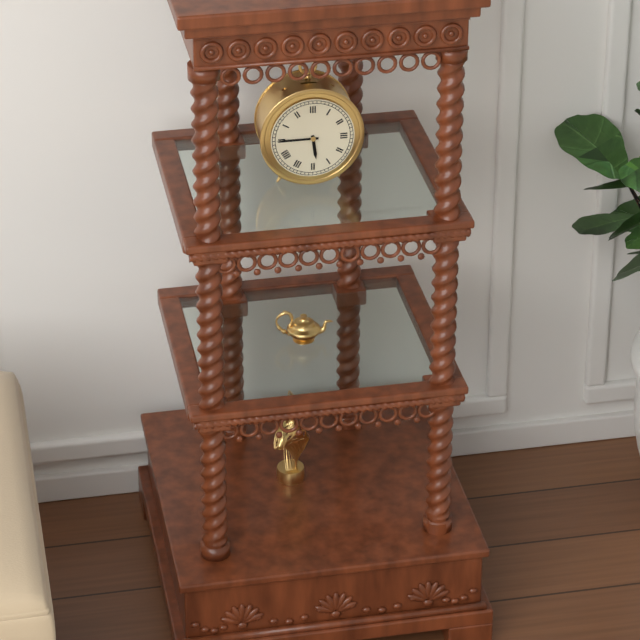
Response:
5h45
